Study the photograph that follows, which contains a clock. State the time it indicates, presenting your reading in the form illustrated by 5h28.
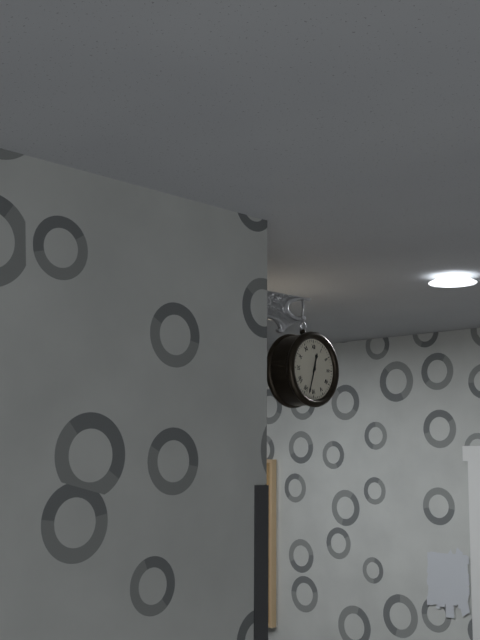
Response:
12h33
